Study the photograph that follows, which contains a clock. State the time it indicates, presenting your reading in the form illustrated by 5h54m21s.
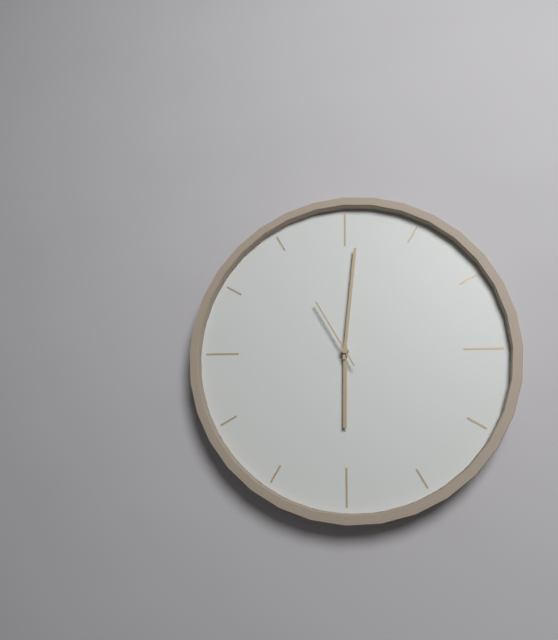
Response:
6h01m55s
